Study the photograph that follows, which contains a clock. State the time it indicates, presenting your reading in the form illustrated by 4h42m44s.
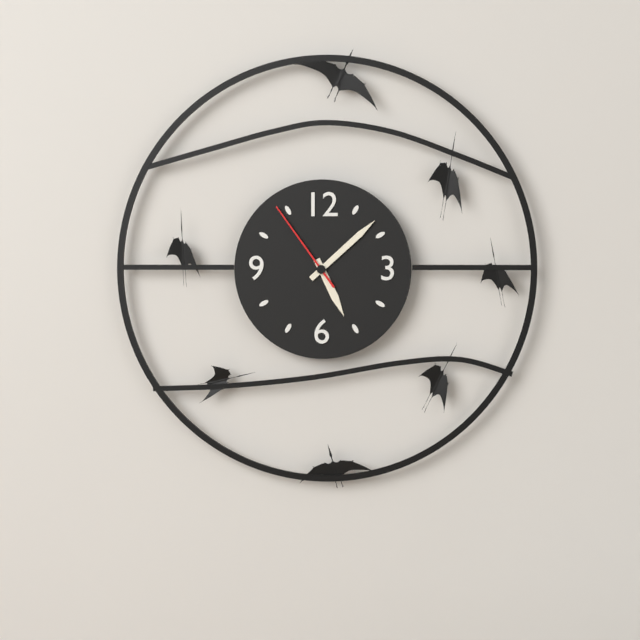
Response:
5h08m54s
